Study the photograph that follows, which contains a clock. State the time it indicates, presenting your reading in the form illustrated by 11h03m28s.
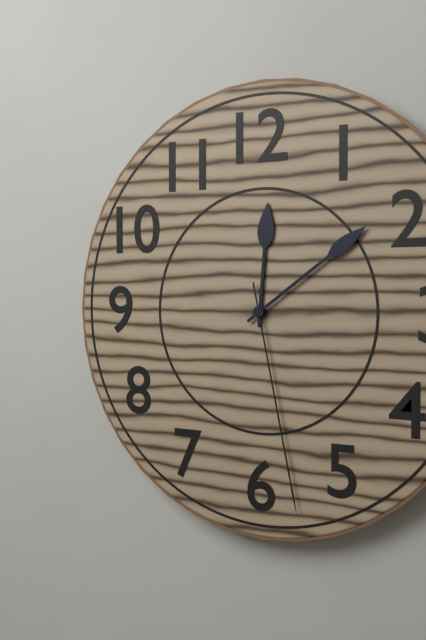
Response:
12h09m28s
